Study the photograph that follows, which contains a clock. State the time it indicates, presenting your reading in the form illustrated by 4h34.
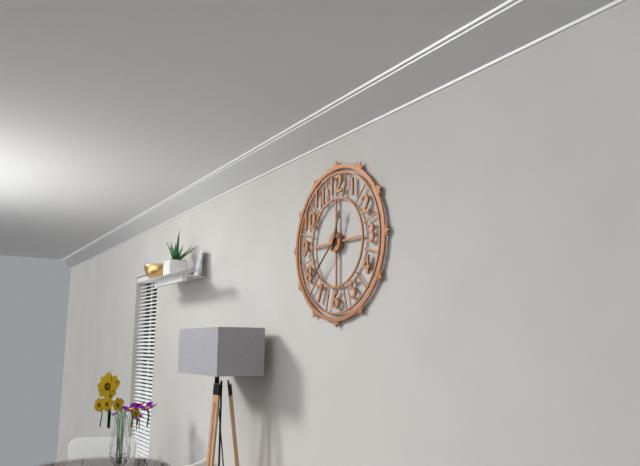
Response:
12h38
